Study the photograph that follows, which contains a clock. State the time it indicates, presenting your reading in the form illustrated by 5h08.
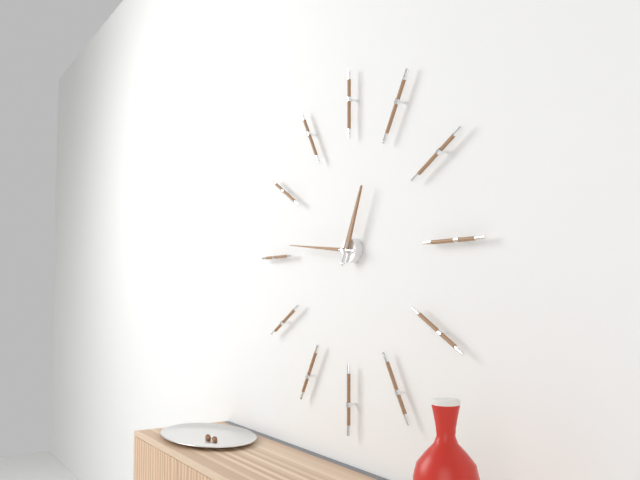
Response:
12h46
